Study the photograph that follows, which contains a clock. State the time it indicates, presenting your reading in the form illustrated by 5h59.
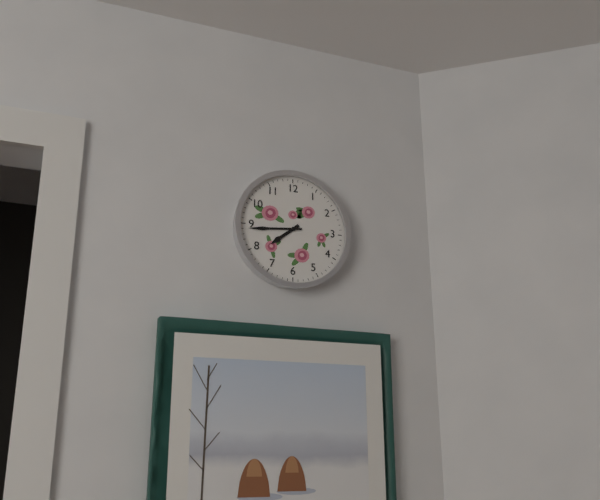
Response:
7h44
